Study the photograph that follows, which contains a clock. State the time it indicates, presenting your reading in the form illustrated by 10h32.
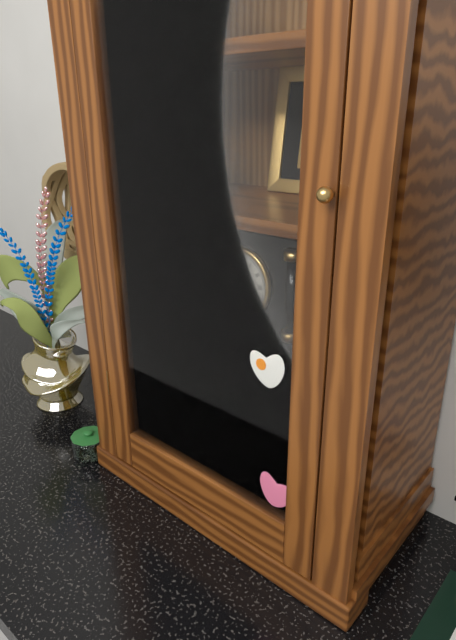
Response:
8h01
